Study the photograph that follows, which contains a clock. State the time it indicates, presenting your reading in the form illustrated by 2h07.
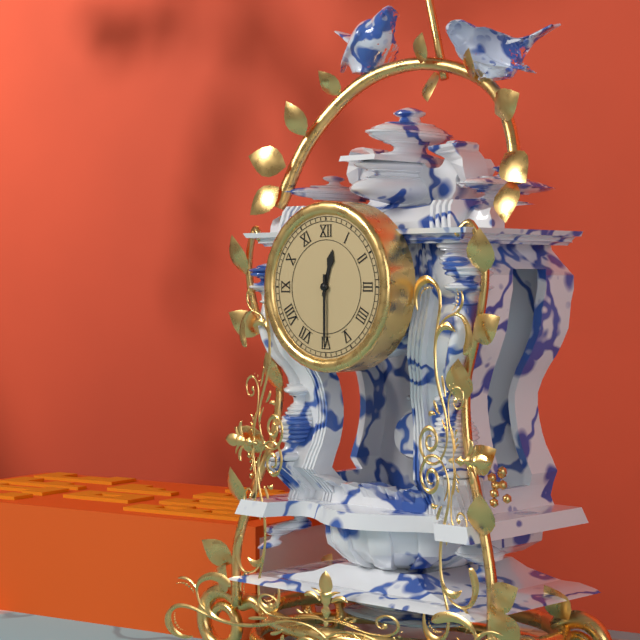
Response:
12h30
